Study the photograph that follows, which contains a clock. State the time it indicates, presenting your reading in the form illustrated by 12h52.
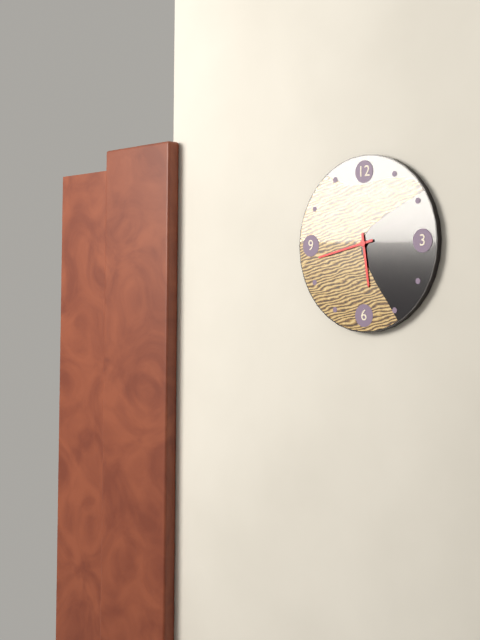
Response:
5h43
